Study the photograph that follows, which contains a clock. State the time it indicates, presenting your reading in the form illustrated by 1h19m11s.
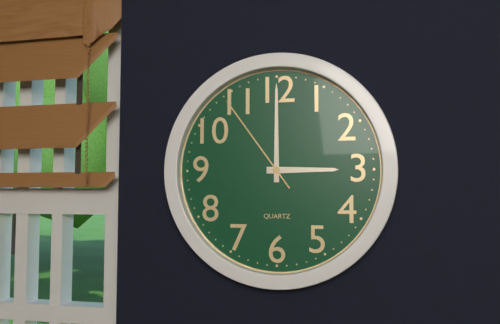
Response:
3h00m54s
